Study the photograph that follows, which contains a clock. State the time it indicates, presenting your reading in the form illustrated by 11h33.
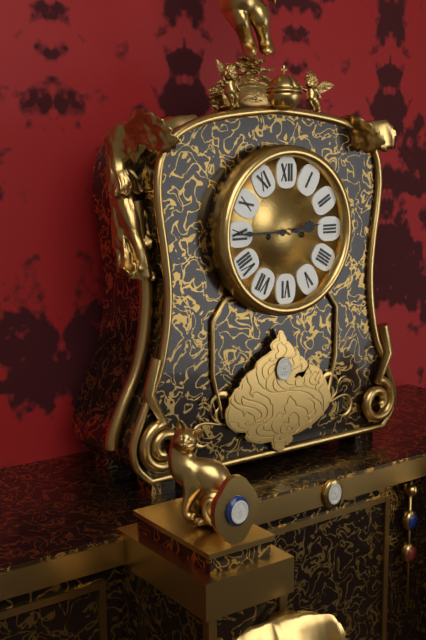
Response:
2h45
